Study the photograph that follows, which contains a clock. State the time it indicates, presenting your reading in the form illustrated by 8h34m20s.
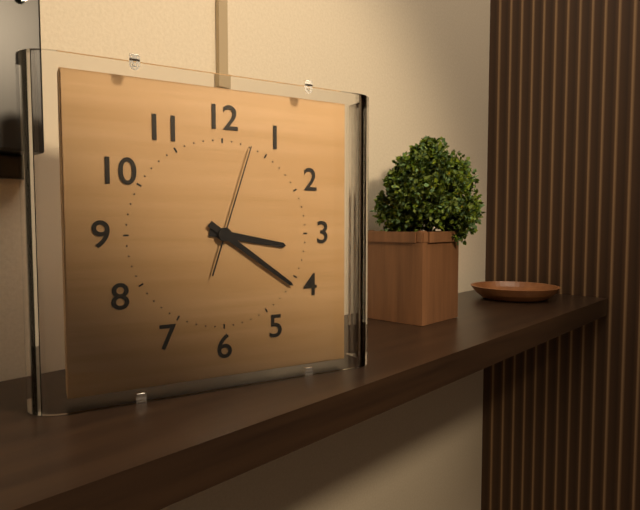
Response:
3h21m03s
